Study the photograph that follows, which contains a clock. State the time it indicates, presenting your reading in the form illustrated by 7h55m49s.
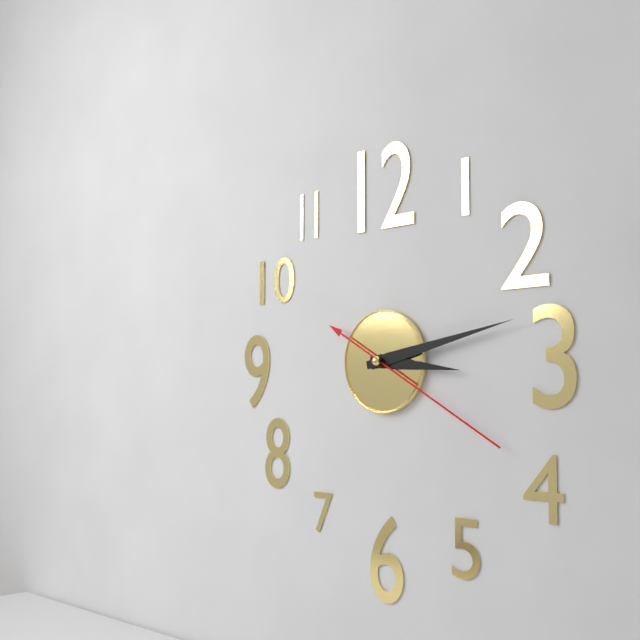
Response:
3h13m20s
